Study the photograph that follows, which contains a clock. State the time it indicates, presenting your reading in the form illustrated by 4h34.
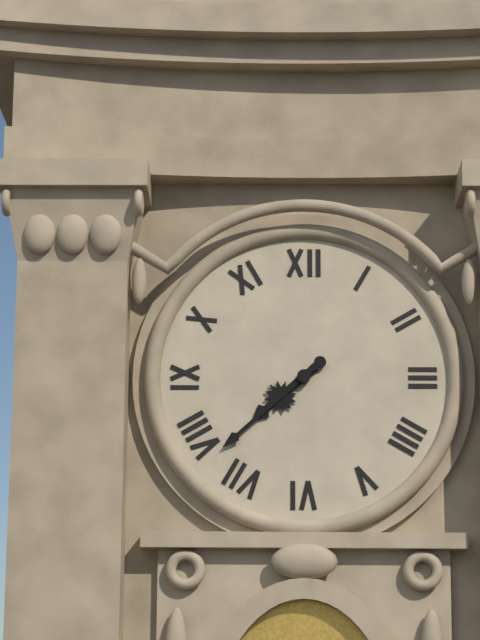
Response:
7h38
